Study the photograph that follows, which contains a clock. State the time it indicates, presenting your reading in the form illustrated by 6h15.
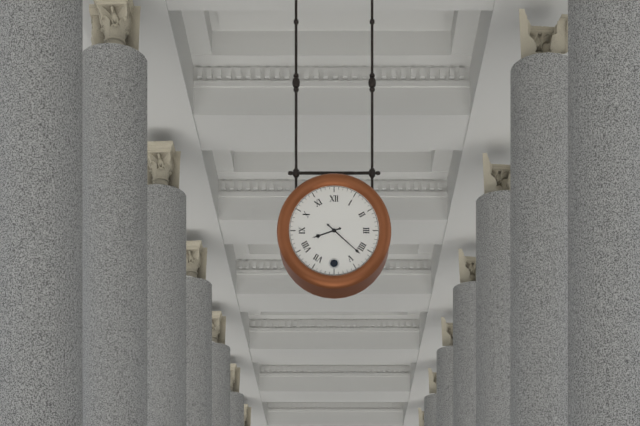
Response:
8h22
